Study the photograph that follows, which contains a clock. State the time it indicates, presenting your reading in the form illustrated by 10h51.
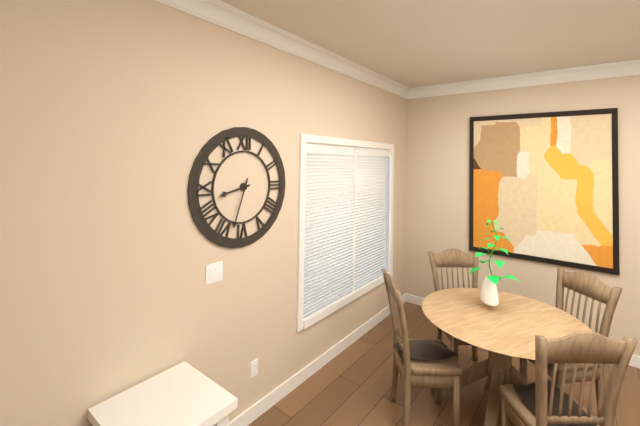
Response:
8h33
